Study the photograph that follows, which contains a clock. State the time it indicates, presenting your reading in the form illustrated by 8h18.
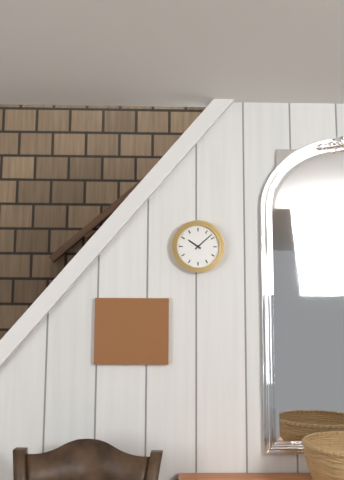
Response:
10h08
